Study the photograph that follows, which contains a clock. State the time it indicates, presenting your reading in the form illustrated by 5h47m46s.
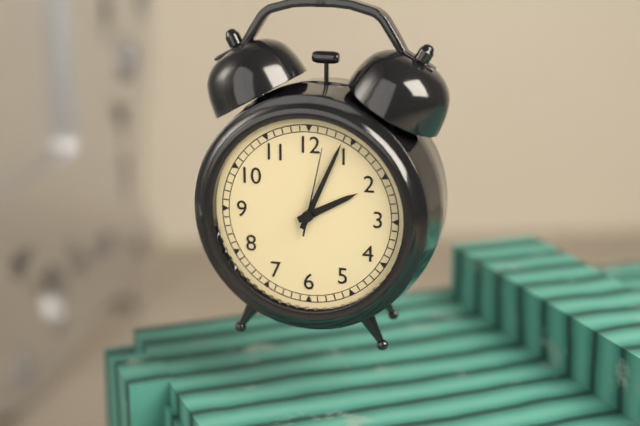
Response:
2h04m02s
